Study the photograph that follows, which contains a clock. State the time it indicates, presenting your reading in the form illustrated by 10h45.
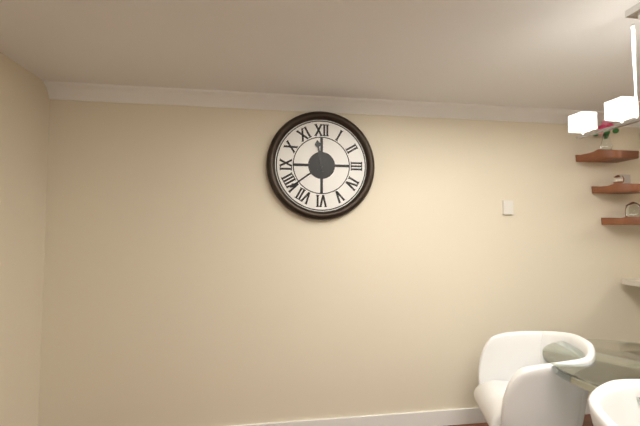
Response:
11h39
